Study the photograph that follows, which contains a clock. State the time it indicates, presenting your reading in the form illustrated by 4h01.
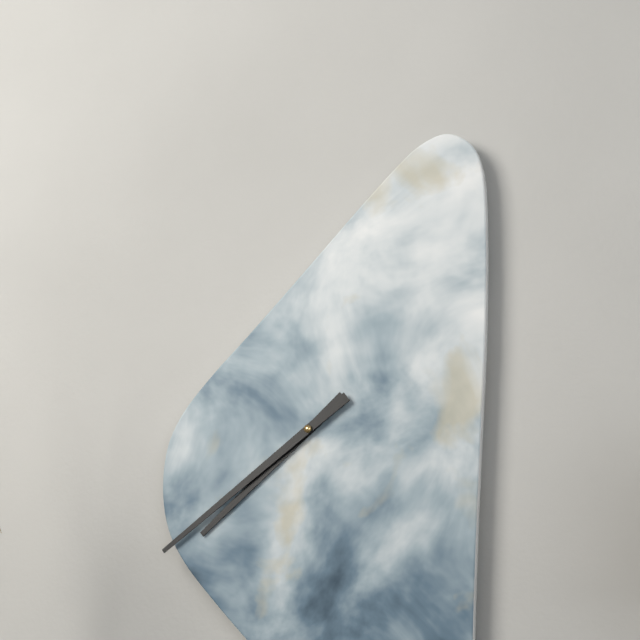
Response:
7h39
